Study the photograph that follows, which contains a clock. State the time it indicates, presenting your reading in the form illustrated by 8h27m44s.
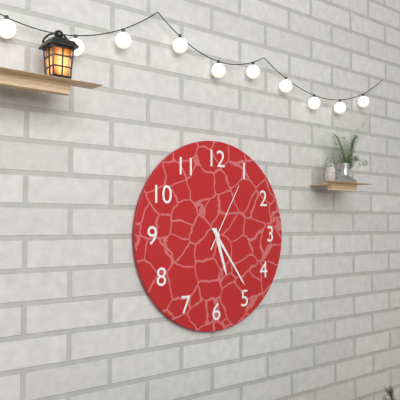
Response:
5h24m05s
